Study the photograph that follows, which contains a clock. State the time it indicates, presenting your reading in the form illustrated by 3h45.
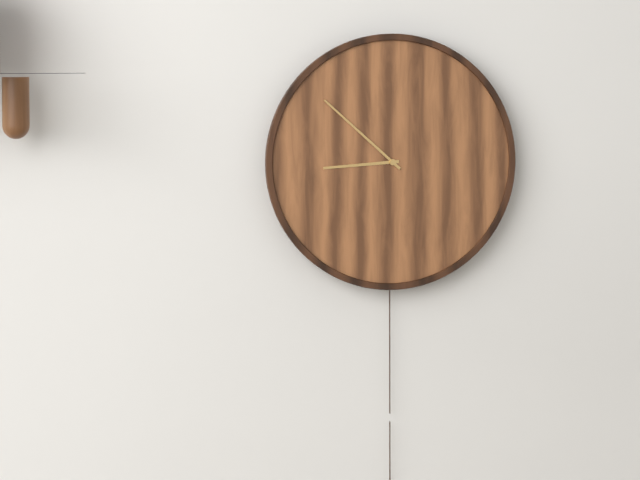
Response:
8h52
